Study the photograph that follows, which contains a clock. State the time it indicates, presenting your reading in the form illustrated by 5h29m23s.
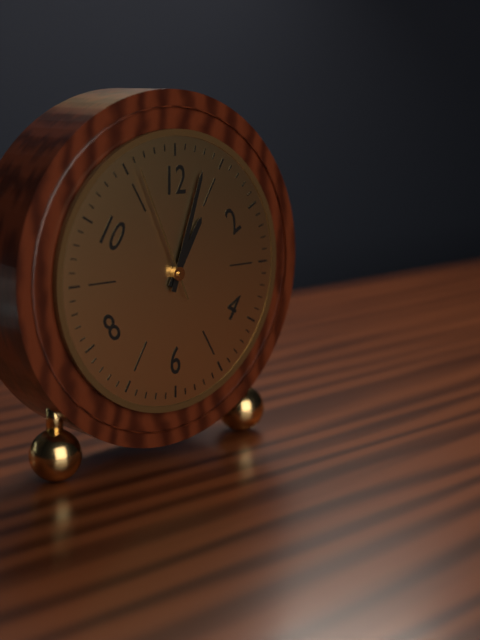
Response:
1h03m56s
